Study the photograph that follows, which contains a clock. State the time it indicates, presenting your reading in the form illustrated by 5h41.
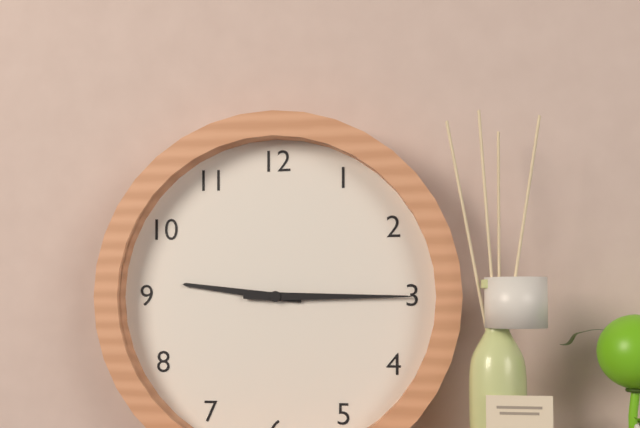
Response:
9h15
